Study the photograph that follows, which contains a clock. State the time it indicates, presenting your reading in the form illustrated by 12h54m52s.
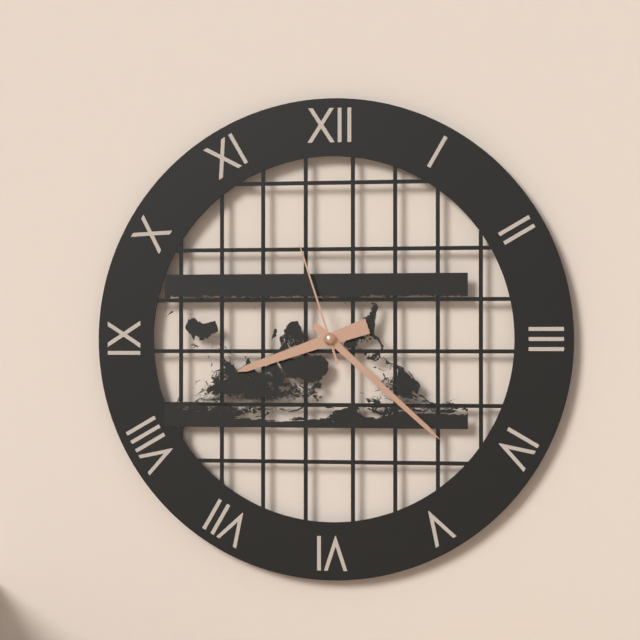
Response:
8h22m57s
